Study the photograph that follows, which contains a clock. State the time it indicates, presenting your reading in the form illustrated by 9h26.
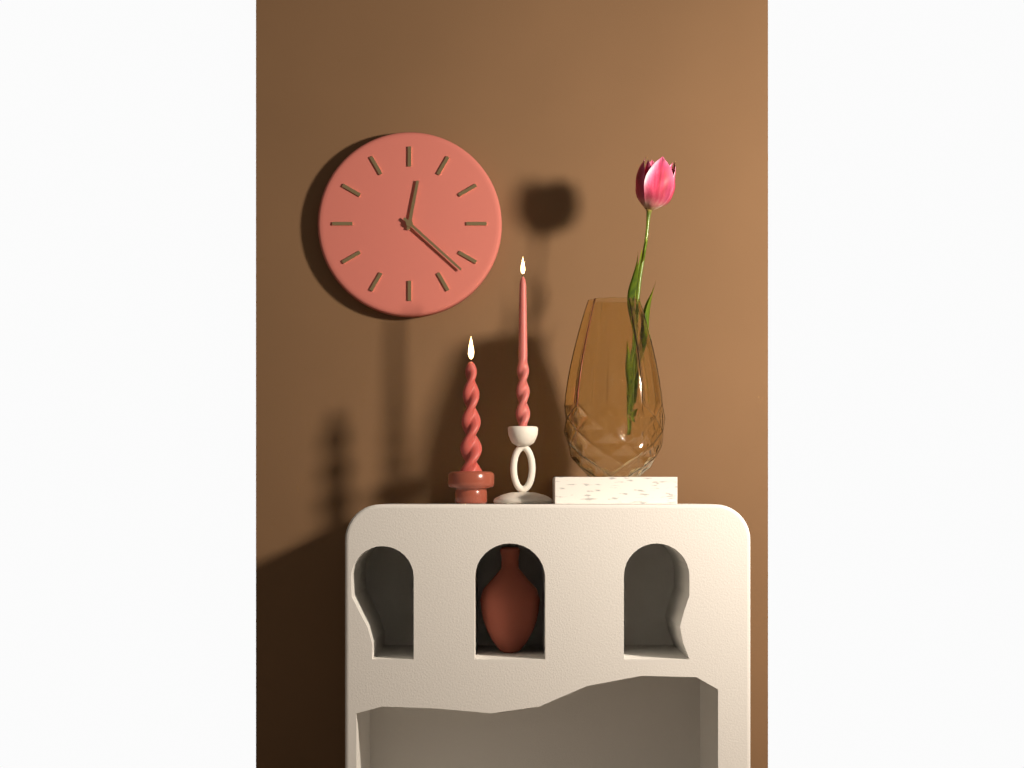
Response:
12h22
